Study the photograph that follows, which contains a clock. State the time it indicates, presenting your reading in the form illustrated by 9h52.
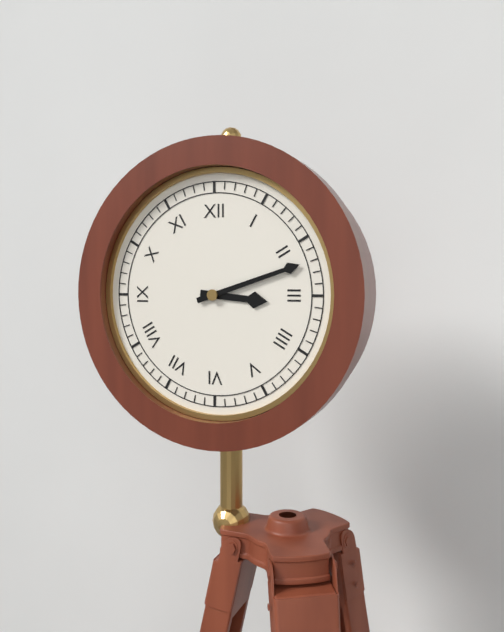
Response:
3h12
